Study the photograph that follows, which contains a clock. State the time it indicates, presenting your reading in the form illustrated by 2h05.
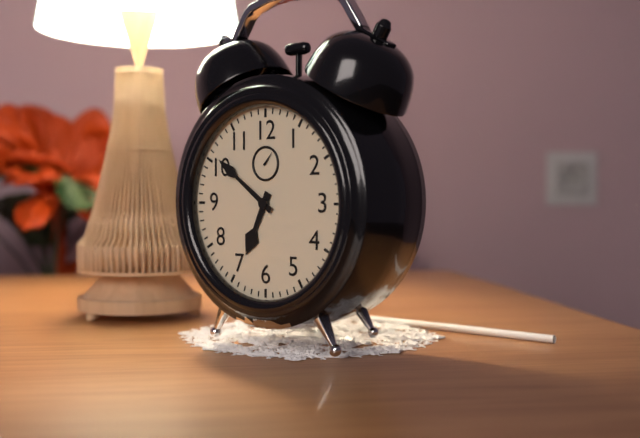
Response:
6h51
